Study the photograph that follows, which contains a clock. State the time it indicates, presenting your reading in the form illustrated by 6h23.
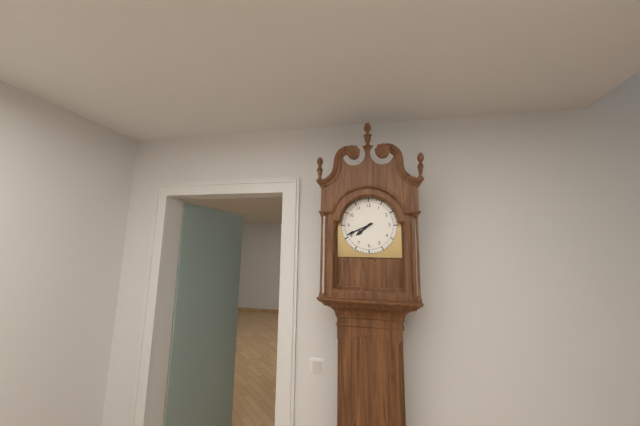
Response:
7h41
